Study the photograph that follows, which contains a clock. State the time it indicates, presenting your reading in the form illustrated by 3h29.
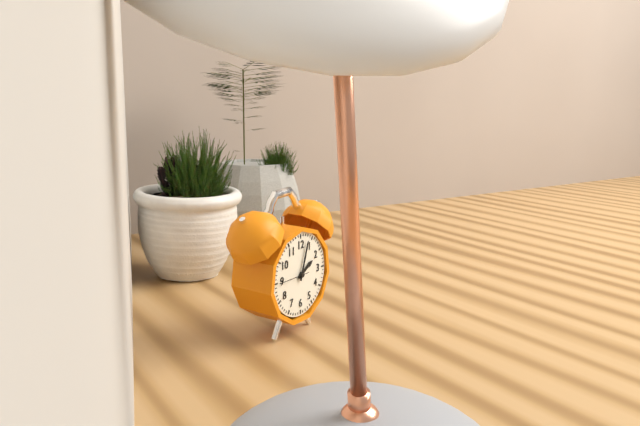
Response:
2h03
